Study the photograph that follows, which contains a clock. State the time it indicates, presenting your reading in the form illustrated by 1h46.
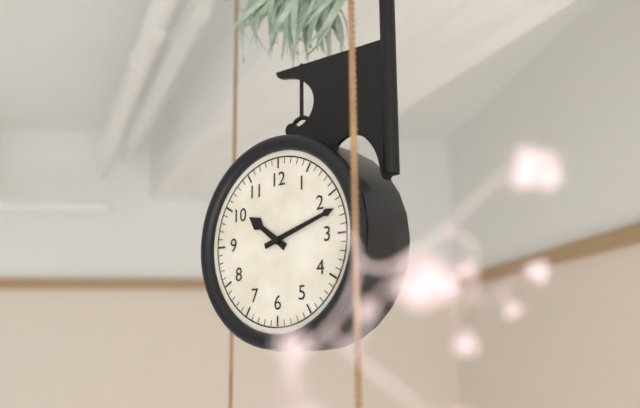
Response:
10h12
